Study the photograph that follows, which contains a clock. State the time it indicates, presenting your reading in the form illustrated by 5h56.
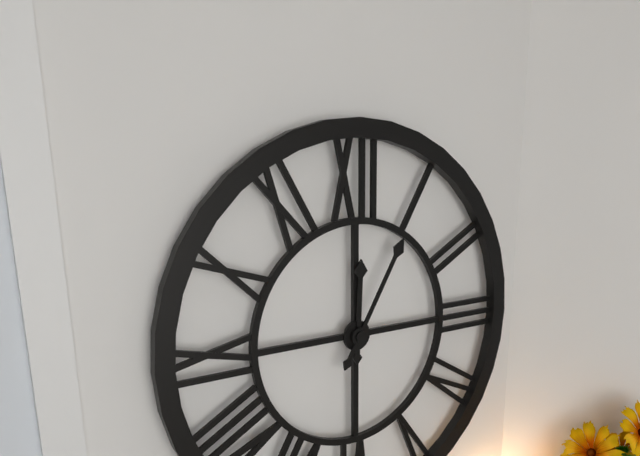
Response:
12h05
